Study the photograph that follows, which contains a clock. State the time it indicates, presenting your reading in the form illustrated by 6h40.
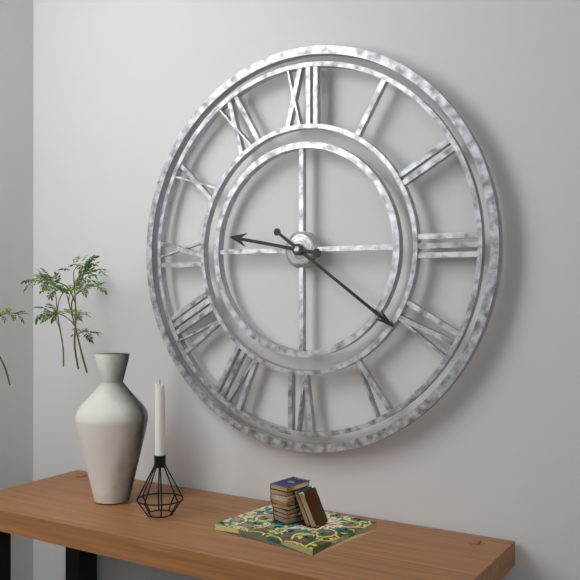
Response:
9h21
